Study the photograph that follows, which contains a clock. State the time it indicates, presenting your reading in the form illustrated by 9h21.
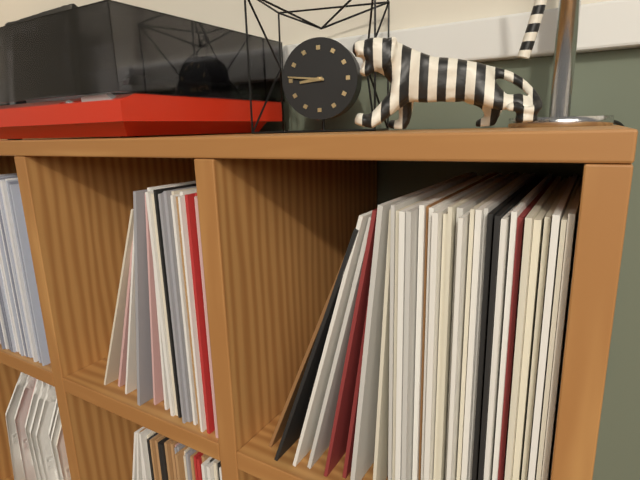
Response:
8h46
